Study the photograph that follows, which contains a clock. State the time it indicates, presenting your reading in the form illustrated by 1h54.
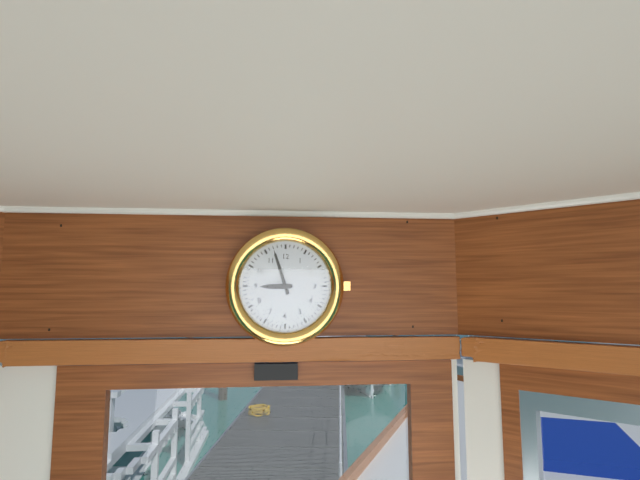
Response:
8h57
